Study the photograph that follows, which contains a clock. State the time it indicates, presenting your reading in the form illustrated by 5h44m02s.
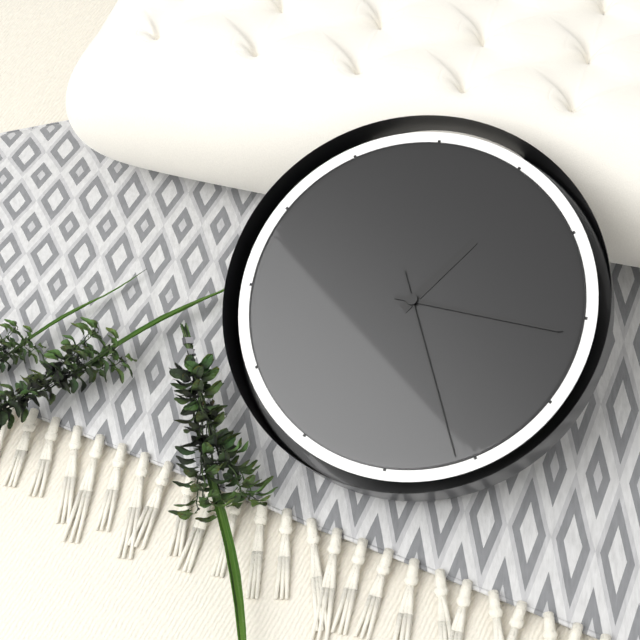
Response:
1h16m26s
